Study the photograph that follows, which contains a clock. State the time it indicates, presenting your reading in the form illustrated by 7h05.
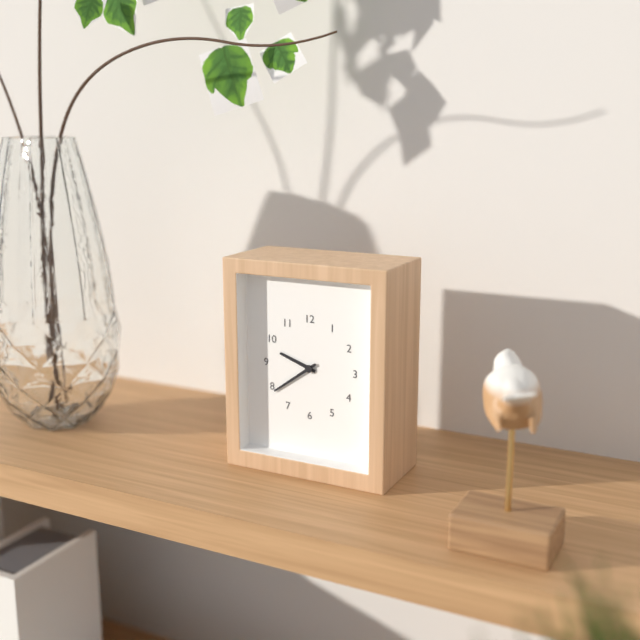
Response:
9h39
